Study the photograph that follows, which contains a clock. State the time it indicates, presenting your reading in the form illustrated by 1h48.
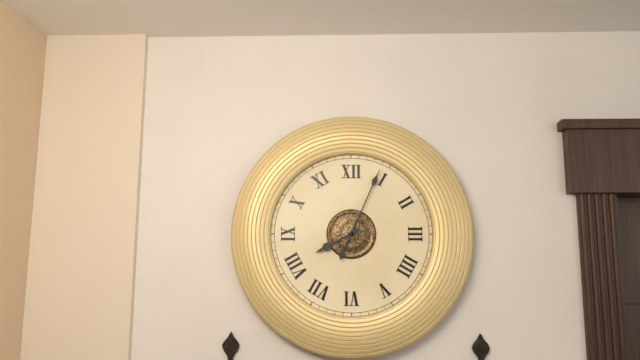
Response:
8h04
